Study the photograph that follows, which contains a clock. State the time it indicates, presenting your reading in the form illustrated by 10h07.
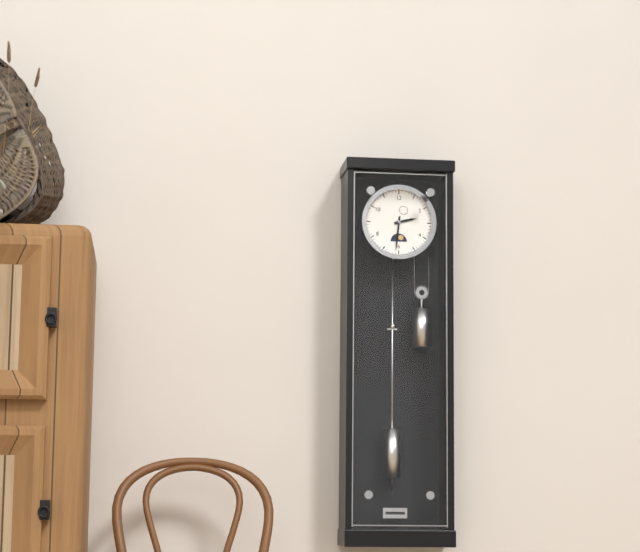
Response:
2h31
